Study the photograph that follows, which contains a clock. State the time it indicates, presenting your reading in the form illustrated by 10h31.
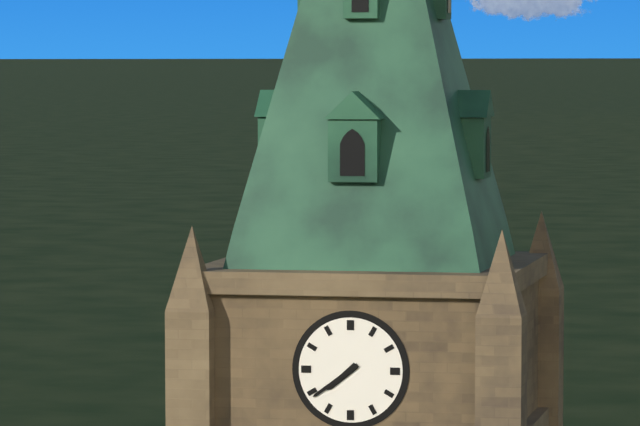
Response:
7h39
